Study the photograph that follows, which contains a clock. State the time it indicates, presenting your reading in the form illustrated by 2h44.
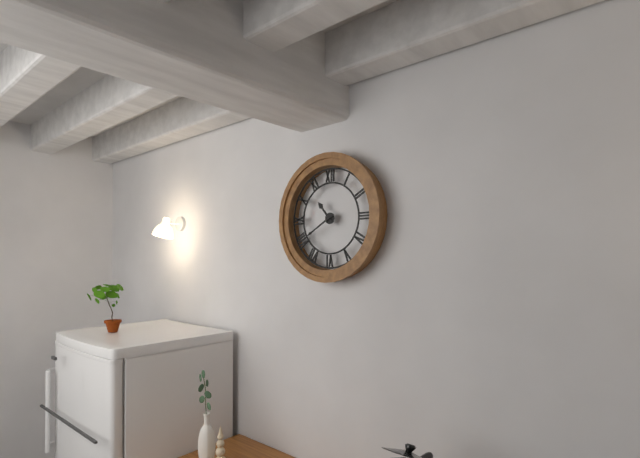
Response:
10h40
